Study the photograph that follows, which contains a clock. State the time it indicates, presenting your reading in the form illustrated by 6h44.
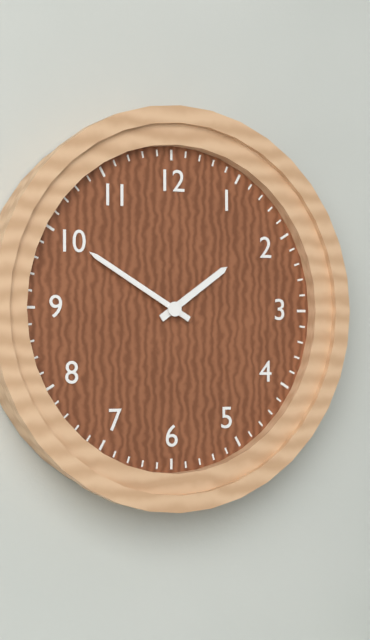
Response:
1h50
